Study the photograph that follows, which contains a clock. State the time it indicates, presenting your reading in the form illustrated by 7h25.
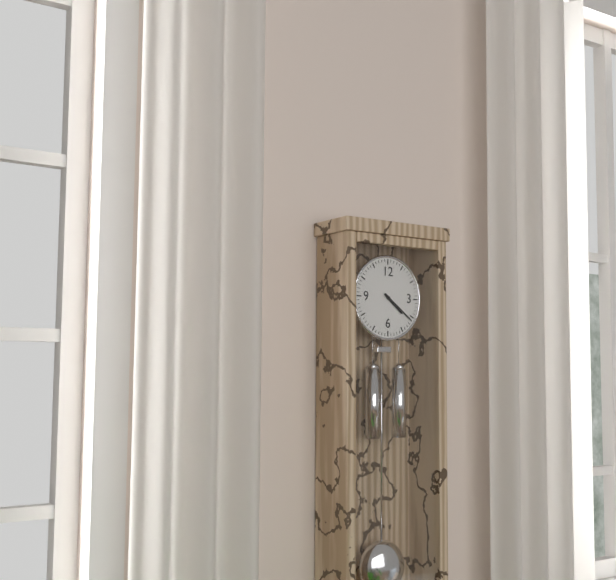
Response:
4h21
